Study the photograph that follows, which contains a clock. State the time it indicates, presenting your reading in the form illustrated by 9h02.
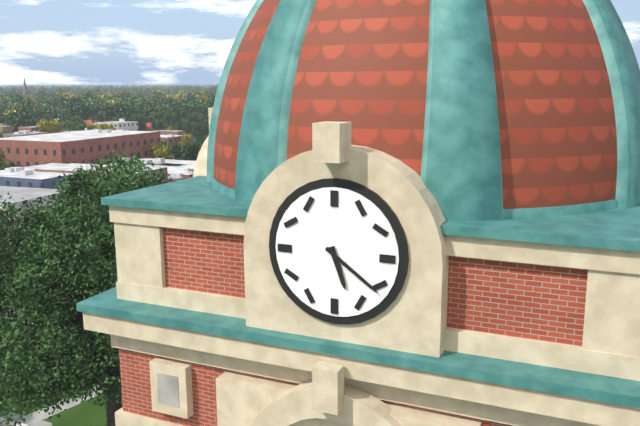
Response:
5h21
